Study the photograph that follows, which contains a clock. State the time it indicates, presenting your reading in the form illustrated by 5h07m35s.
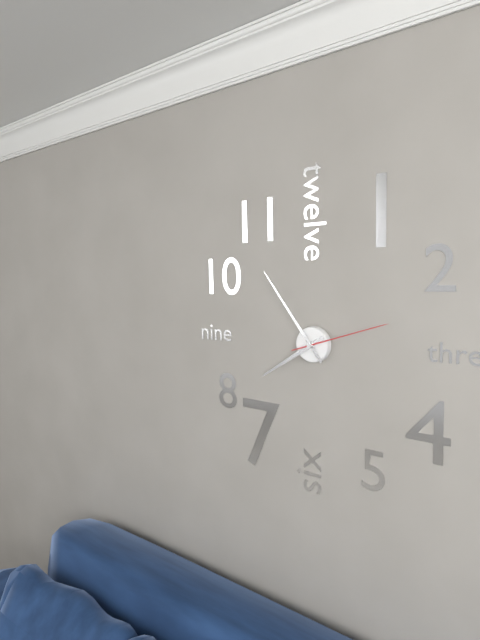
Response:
7h54m12s
